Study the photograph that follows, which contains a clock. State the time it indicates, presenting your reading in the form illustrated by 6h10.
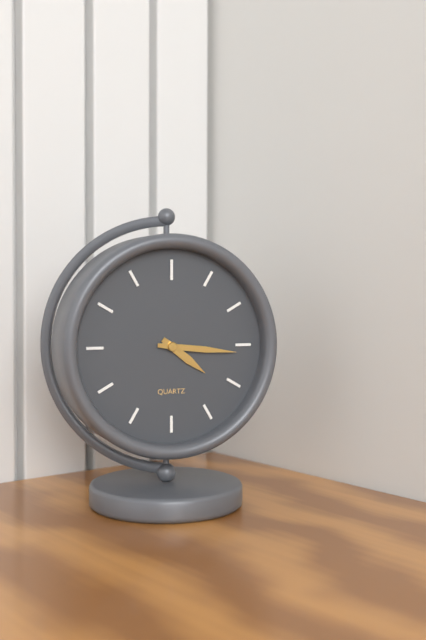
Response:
4h16
